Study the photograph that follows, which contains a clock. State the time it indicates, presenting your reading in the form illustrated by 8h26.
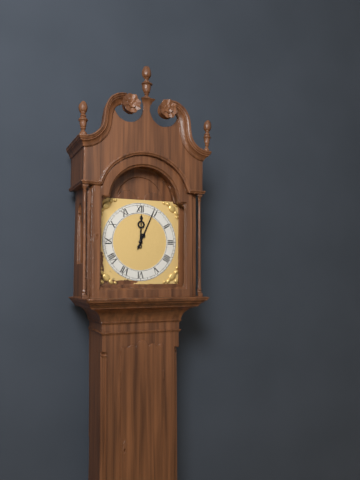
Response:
12h04
